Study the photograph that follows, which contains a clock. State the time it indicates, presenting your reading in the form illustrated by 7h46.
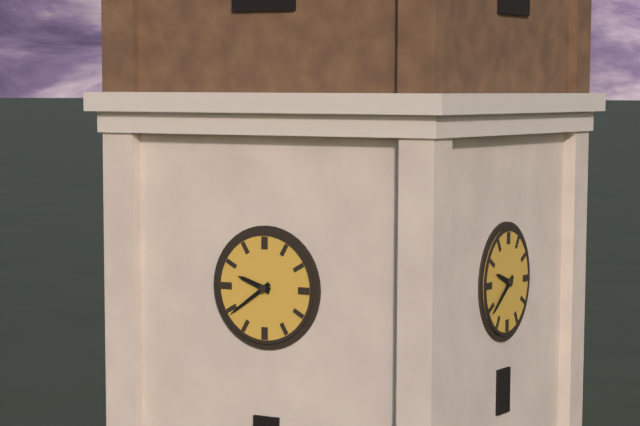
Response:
9h39
